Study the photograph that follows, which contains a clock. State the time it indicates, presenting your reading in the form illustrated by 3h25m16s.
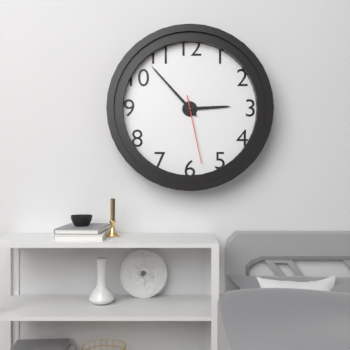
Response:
2h53m28s
